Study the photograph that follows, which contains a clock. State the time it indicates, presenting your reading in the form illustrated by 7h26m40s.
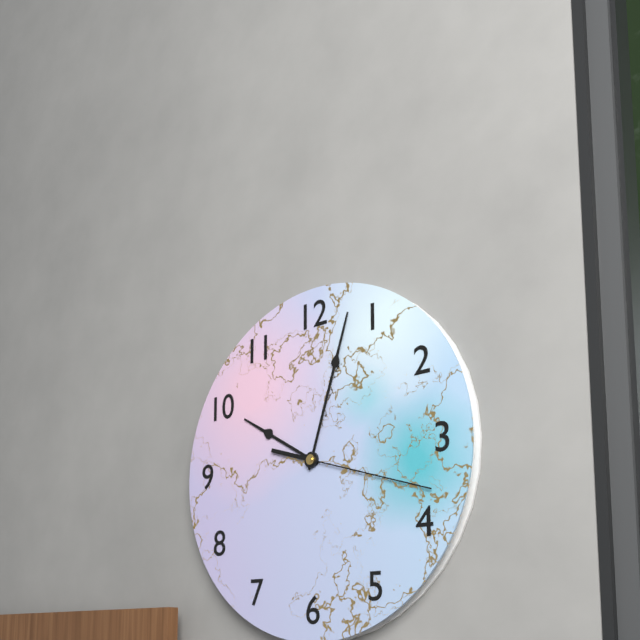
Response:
10h03m18s
